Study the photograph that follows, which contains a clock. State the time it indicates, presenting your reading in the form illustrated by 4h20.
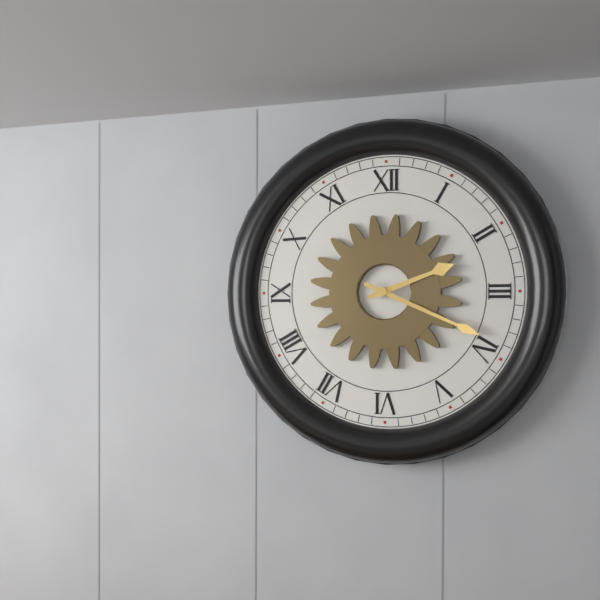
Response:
2h19
